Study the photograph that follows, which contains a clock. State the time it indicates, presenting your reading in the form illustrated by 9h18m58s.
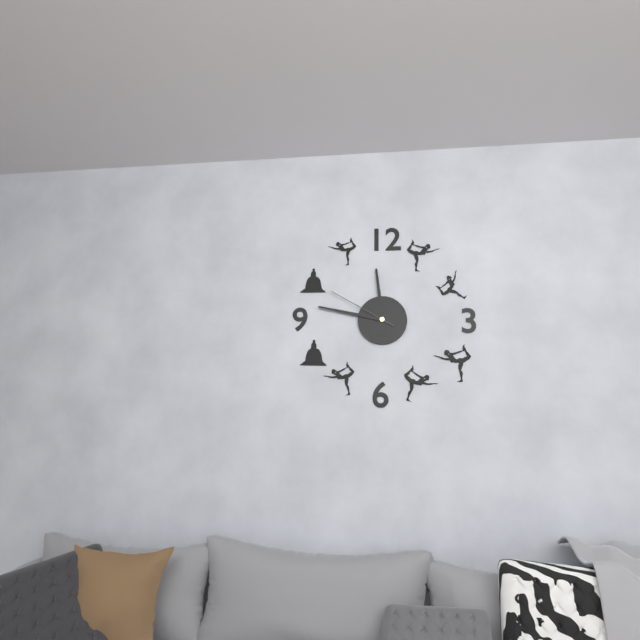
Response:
11h47m50s
